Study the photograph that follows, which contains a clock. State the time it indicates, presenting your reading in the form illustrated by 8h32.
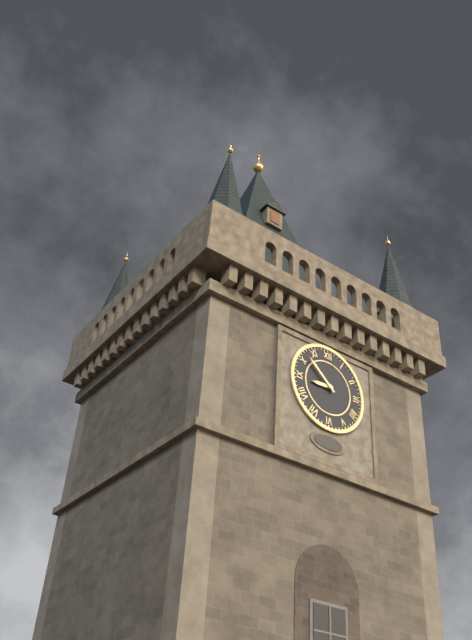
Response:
8h52
